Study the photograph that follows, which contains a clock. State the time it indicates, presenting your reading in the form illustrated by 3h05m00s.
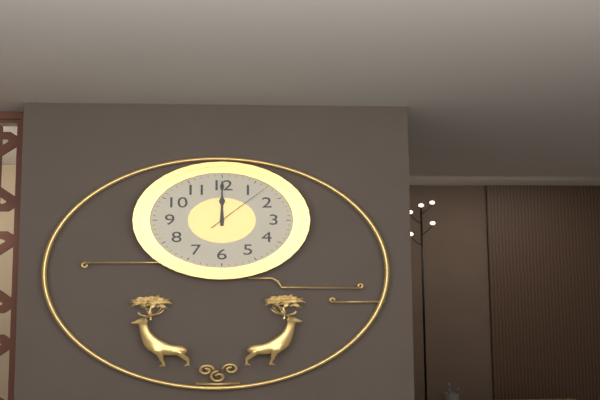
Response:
12h00m07s
